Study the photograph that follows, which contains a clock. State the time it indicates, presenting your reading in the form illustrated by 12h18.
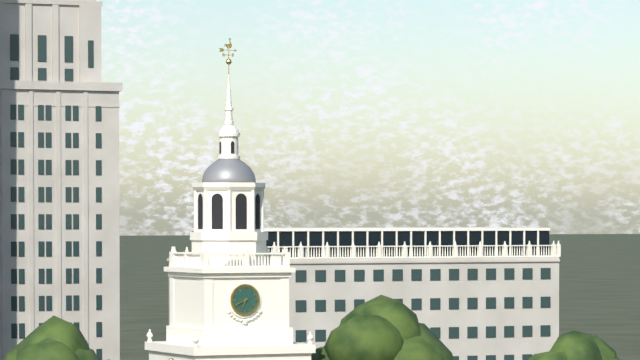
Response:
6h41
